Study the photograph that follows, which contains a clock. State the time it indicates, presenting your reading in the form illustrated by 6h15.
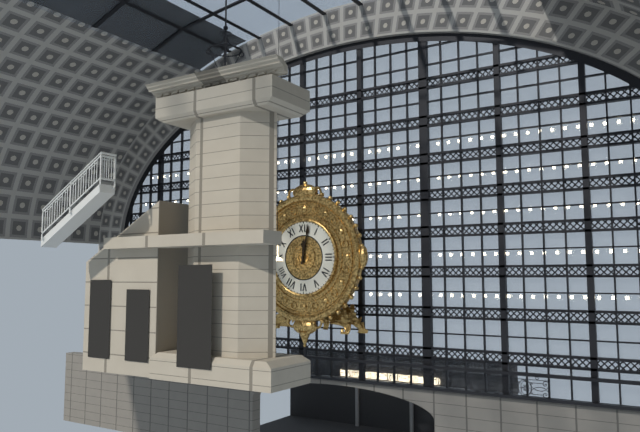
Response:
12h02
